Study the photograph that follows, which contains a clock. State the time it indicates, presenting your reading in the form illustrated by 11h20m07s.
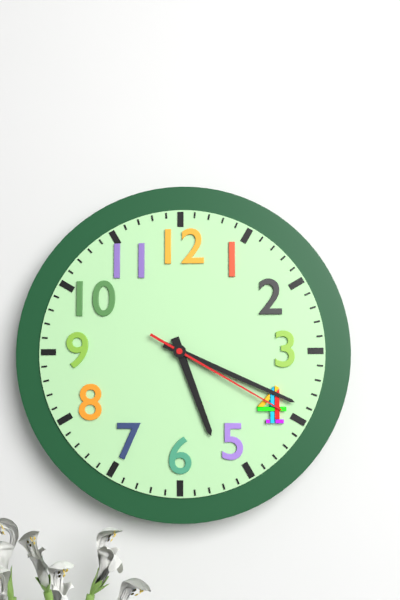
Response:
5h19m20s
